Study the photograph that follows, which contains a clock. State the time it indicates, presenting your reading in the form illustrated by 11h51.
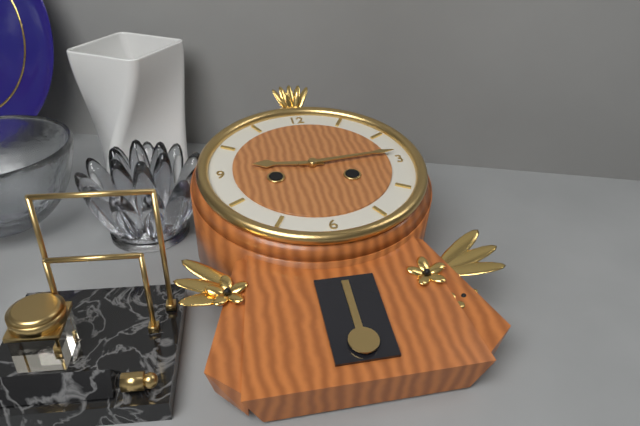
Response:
9h14
